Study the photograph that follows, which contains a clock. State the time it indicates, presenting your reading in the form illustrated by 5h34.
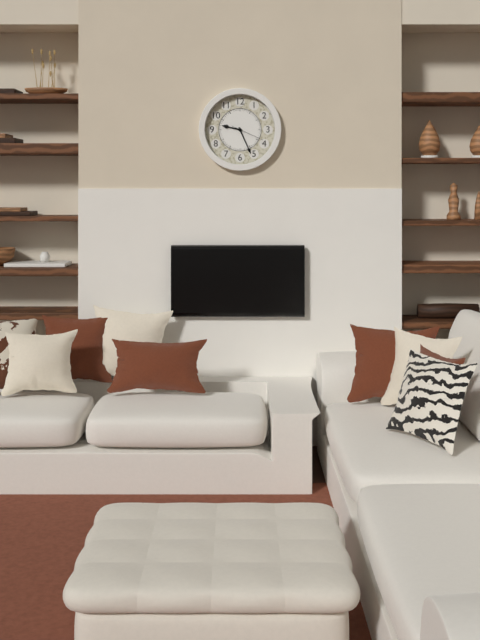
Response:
9h26
